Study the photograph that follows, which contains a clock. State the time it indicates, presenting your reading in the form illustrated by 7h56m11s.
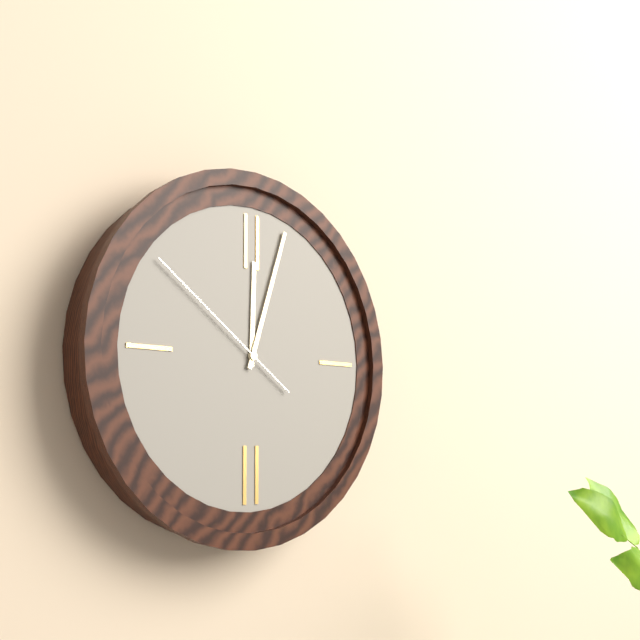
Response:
12h03m51s
